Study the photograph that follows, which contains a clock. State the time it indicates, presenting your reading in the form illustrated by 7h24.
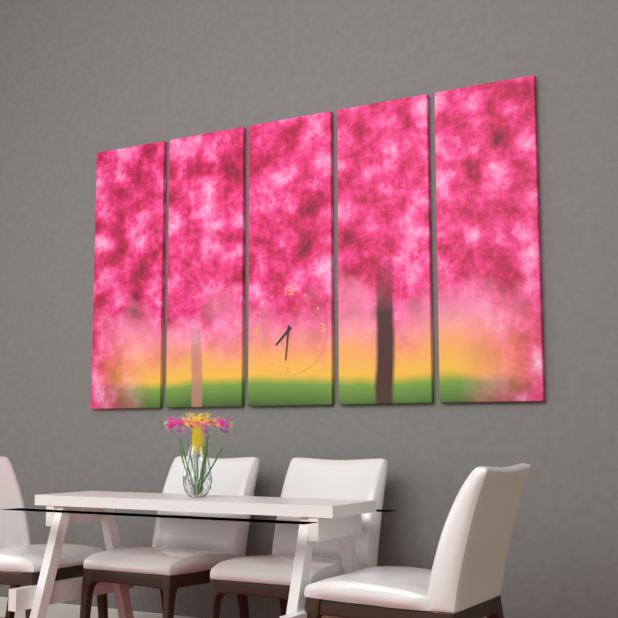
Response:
7h31
